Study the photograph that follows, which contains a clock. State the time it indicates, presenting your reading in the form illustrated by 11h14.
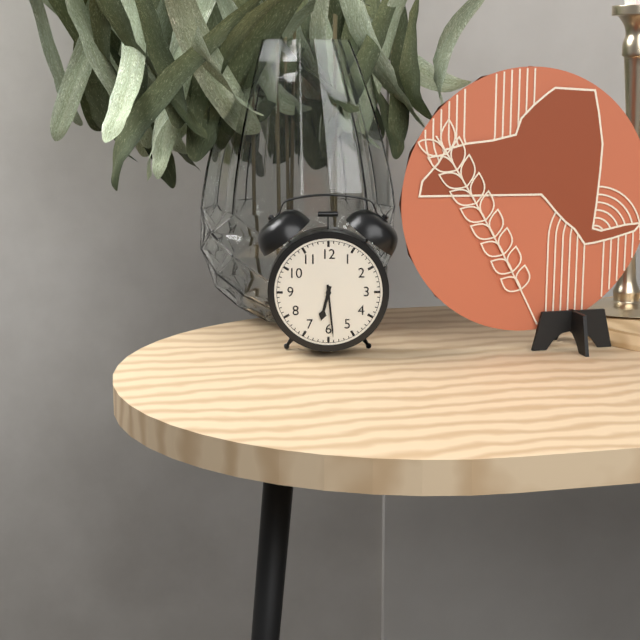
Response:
6h29
